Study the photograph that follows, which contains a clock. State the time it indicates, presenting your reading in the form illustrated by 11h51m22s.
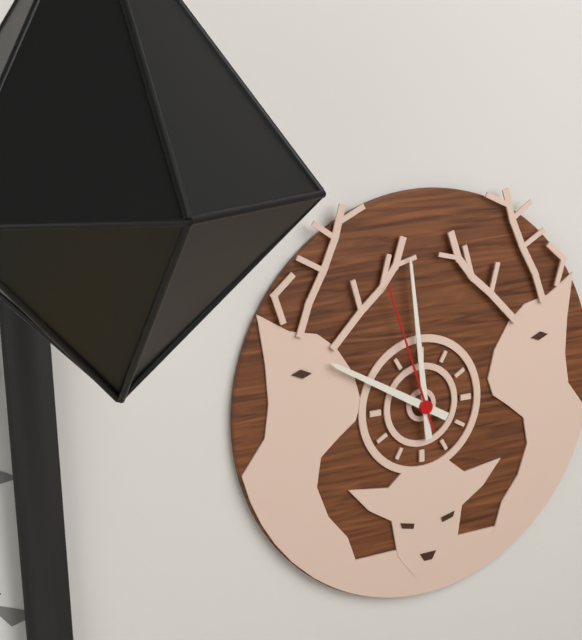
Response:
9h59m57s
